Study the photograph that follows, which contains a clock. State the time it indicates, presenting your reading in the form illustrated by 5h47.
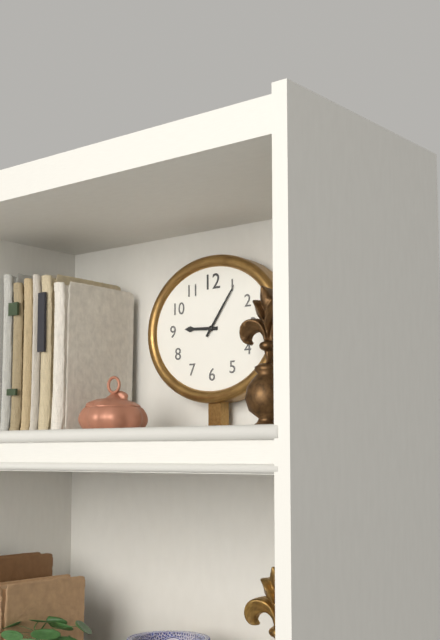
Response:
9h06
